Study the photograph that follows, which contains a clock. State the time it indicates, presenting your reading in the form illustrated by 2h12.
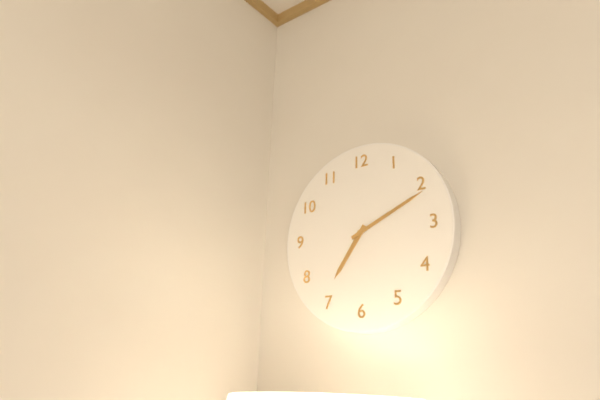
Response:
7h11
